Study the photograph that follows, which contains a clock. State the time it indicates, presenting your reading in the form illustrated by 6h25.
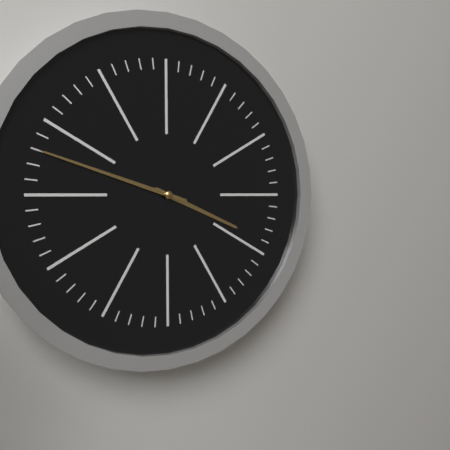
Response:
3h48
